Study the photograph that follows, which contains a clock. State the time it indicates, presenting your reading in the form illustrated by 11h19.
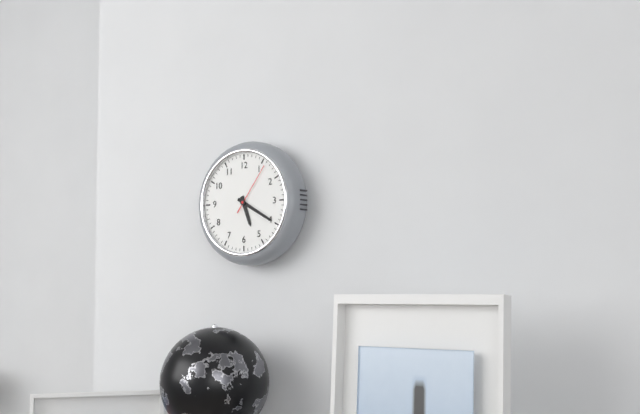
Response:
5h20
